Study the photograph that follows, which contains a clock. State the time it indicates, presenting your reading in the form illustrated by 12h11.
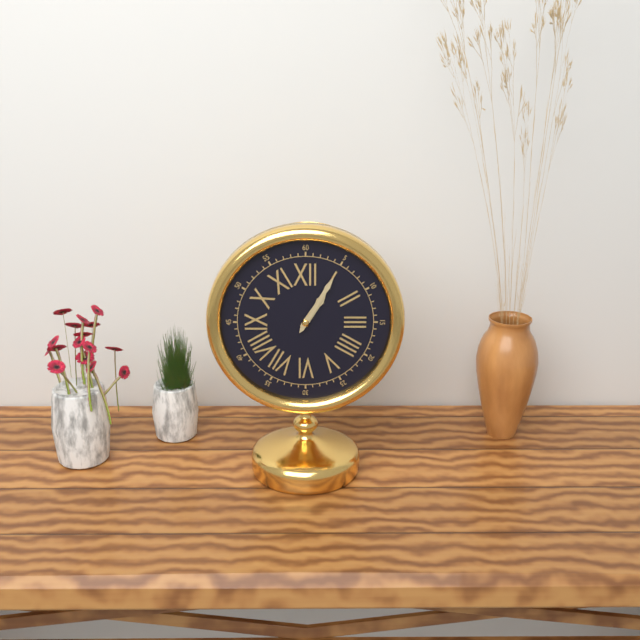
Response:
1h05
